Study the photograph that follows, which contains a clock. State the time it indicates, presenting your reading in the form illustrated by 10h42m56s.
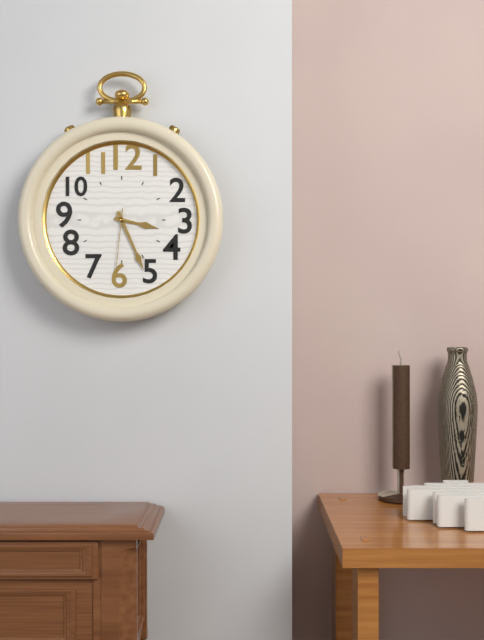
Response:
3h26m31s
